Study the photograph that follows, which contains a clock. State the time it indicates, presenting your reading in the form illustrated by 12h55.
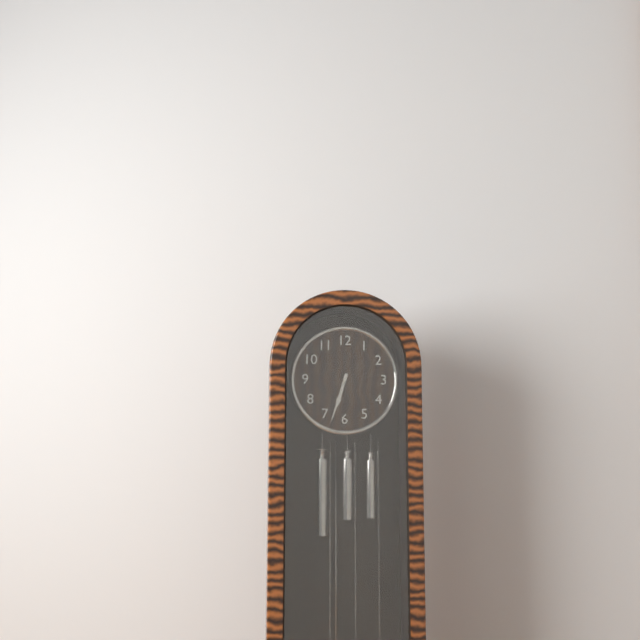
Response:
6h33
